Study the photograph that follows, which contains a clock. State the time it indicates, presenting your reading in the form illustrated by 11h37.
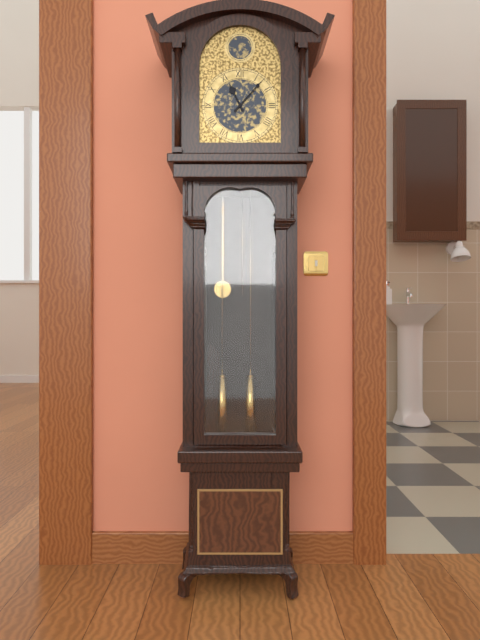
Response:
11h07
